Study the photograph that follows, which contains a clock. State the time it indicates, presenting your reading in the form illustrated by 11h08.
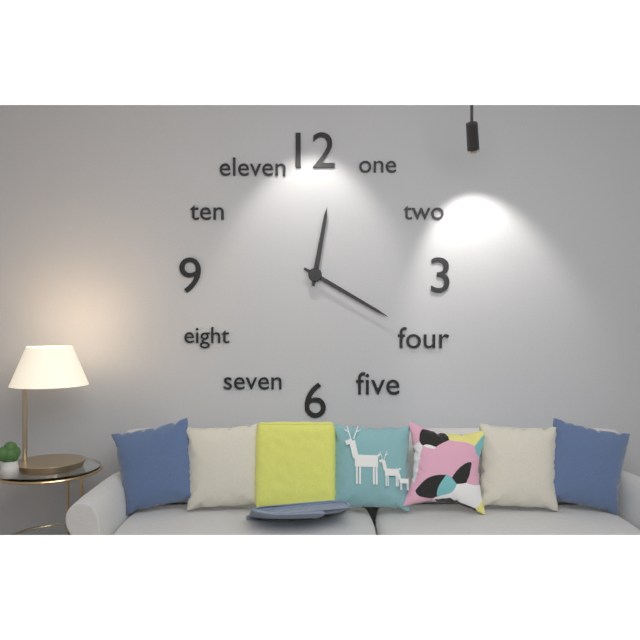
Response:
12h20
